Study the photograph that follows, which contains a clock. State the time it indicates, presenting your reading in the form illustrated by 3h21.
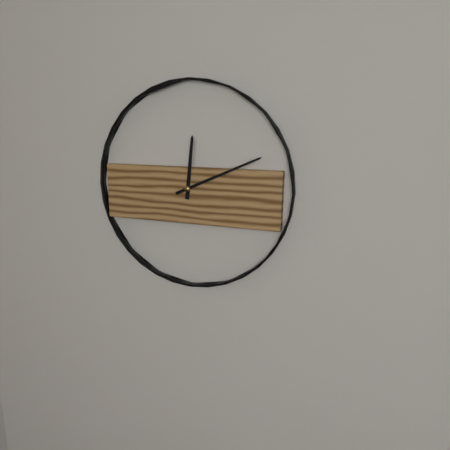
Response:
12h11
